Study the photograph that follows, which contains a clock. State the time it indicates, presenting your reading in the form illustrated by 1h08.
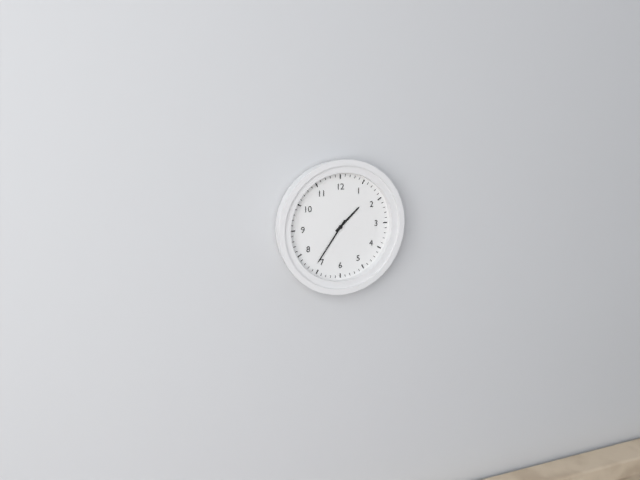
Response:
1h36
